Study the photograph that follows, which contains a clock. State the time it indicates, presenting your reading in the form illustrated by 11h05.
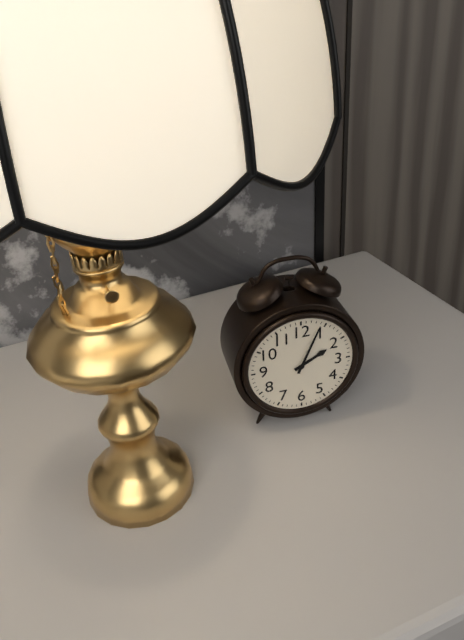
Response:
2h04
